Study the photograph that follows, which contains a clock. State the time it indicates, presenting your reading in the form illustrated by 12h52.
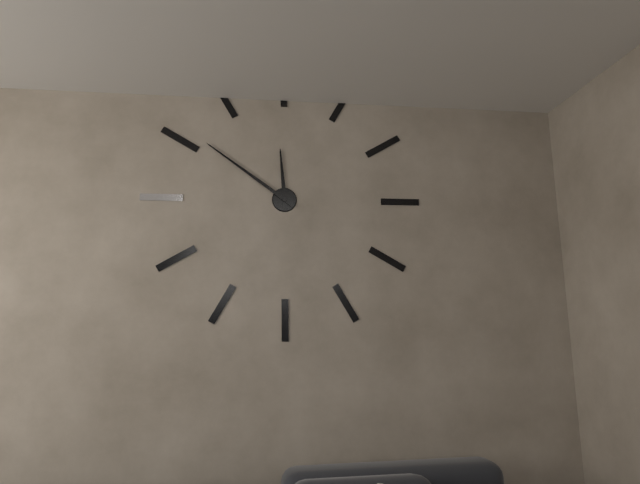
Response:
11h51
